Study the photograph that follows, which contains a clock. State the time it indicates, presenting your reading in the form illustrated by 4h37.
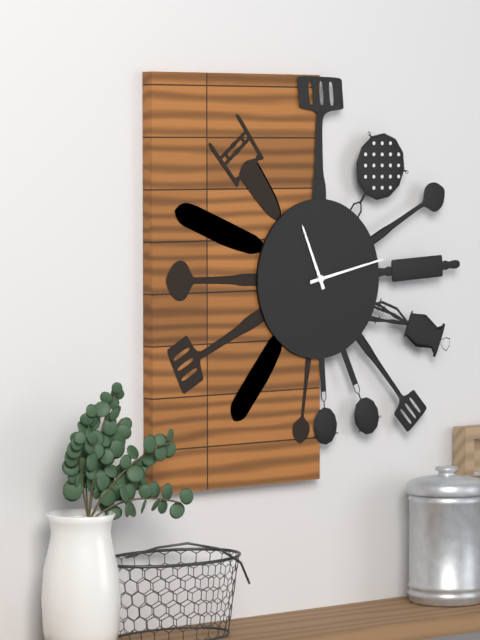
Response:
11h13
